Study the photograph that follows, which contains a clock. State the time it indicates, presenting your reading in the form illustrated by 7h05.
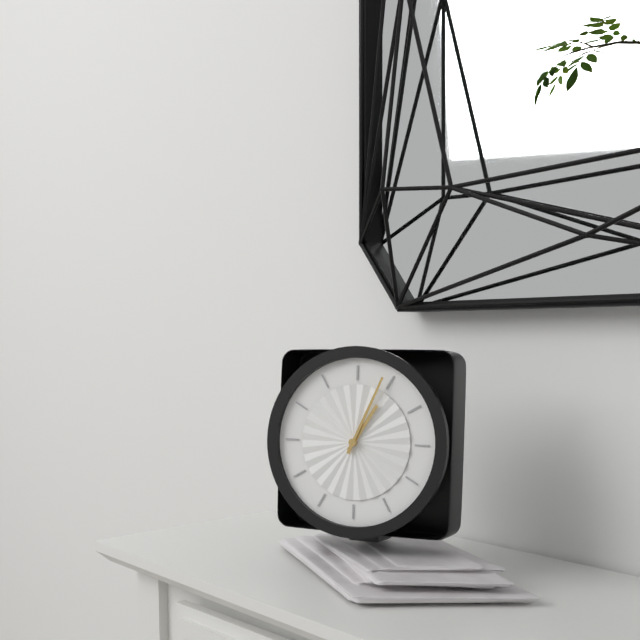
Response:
1h04
